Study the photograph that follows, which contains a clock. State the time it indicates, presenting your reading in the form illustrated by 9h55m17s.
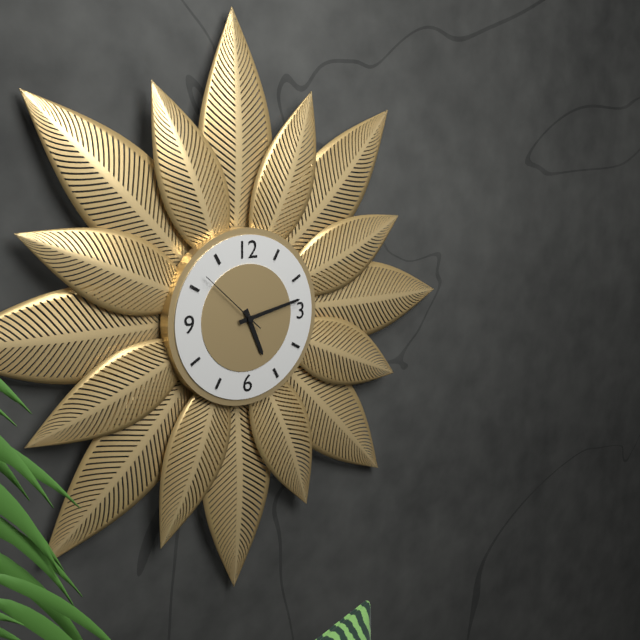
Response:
5h13m52s
